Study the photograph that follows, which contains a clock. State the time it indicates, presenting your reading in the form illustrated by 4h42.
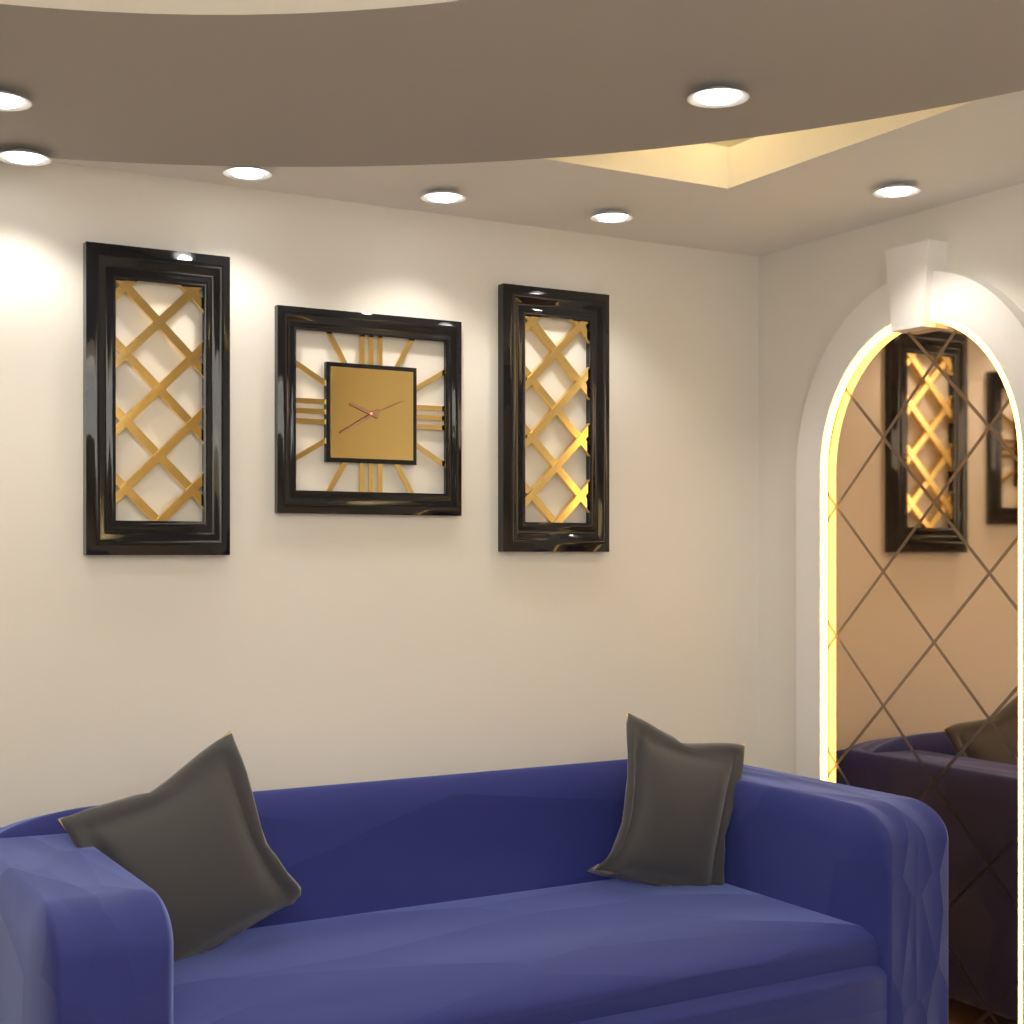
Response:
9h40
